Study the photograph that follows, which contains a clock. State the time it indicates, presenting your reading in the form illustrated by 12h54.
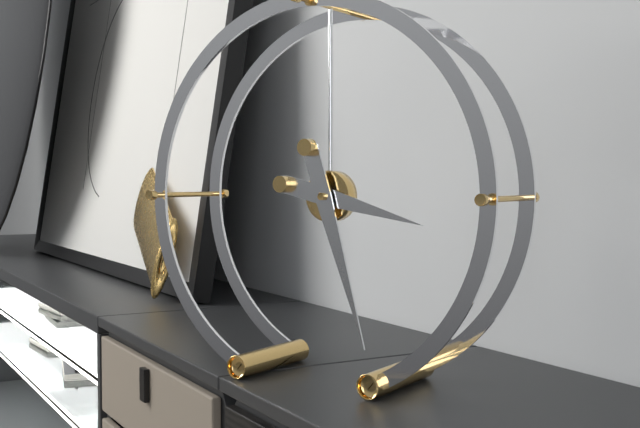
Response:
3h27
